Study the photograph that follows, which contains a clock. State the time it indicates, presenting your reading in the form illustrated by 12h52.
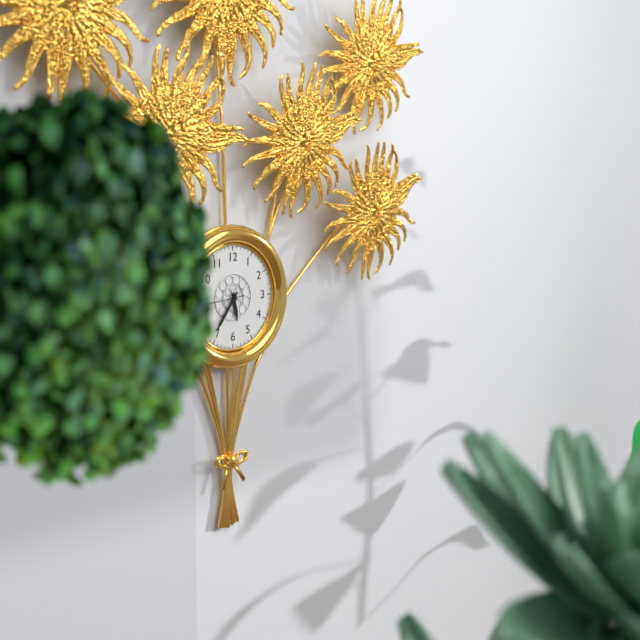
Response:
5h36
